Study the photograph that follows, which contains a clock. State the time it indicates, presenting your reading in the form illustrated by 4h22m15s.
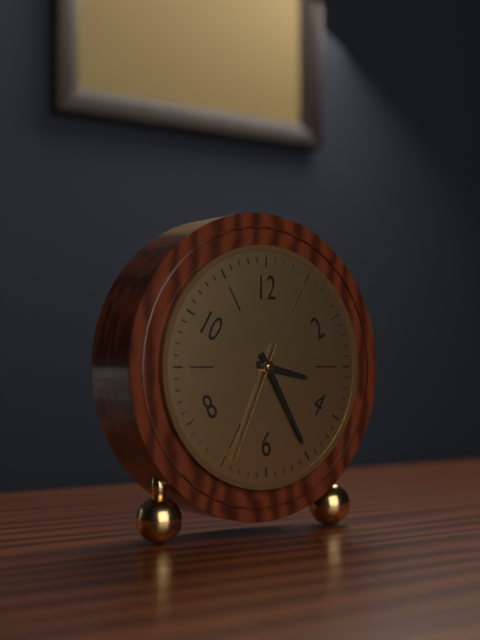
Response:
3h25m34s
